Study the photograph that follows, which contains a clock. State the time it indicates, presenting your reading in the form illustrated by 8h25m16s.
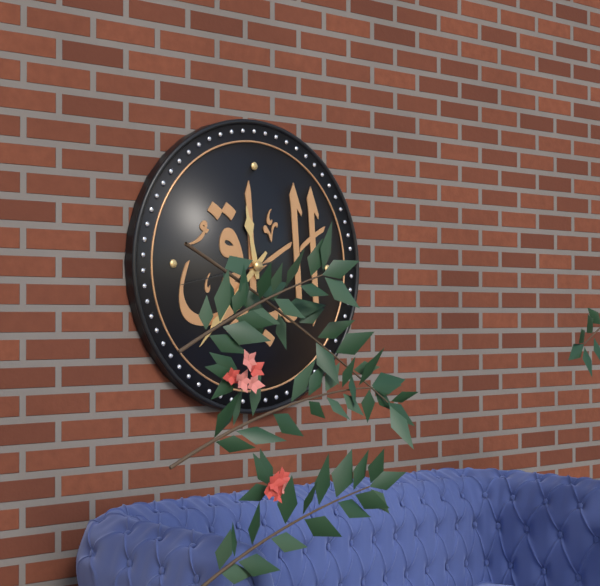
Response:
11h37m43s
